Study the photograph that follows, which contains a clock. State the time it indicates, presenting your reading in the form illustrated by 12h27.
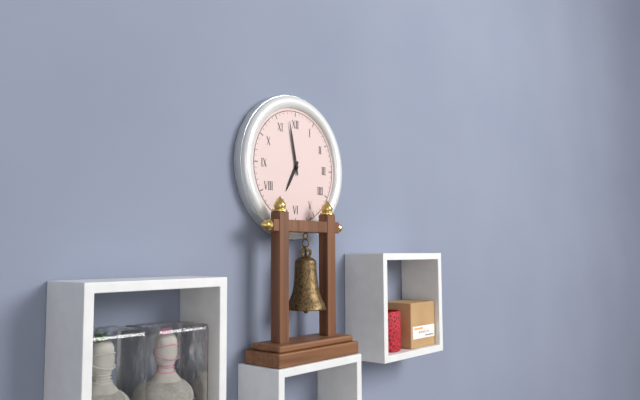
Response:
6h58
